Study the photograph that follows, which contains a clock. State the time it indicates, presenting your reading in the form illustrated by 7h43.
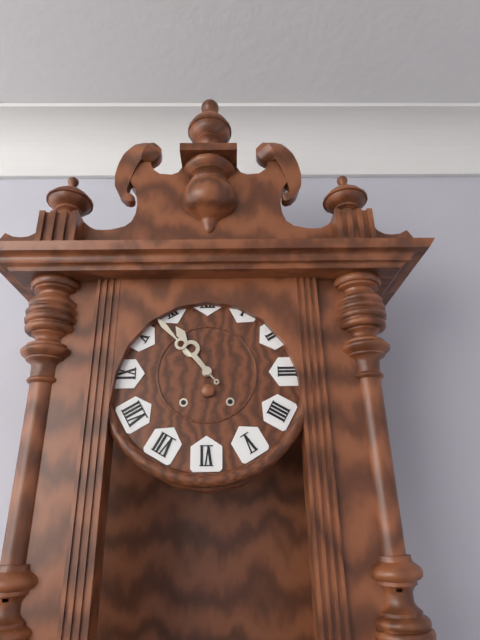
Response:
10h53
